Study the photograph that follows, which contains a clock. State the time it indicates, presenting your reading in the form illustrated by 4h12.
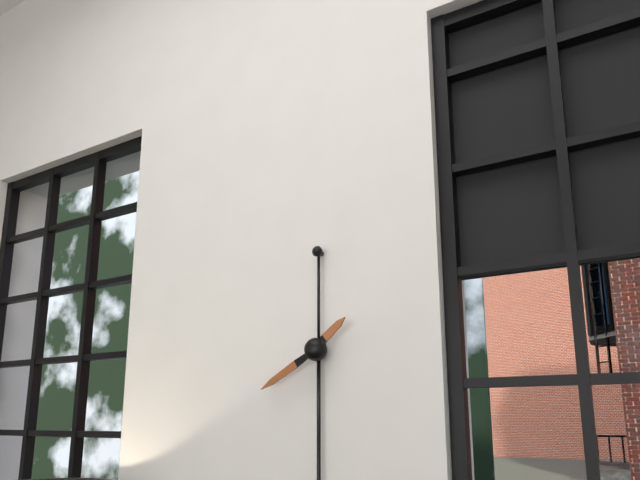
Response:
1h40
